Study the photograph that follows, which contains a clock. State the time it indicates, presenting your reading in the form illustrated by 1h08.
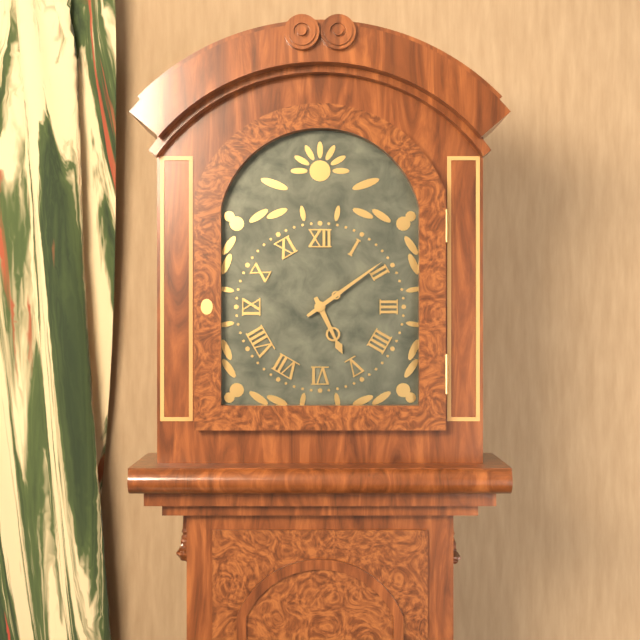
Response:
5h09
